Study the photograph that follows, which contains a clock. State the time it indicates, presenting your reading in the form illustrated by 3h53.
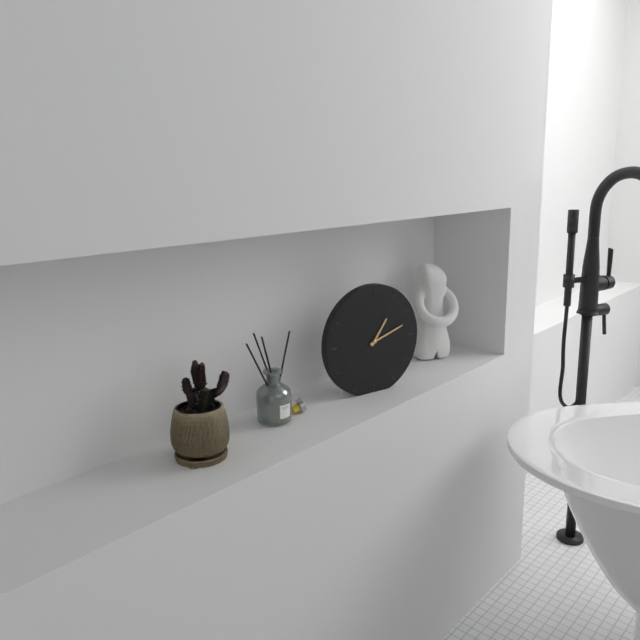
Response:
1h12
